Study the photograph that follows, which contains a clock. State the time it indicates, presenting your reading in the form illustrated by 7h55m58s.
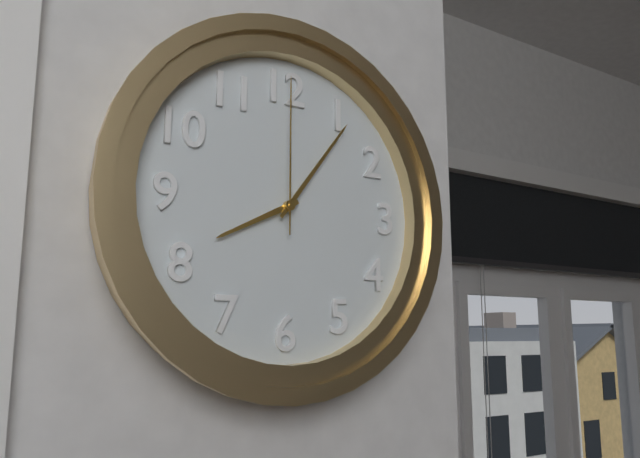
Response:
8h06m00s
